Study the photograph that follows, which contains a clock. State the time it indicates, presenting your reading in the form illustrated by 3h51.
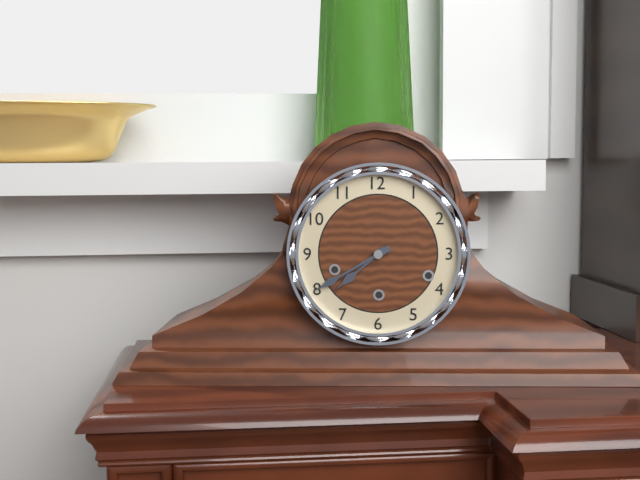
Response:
7h40
